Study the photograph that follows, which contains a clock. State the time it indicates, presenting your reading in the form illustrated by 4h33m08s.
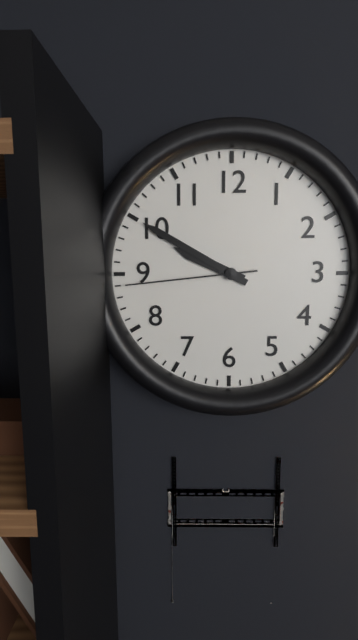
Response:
9h50m44s
